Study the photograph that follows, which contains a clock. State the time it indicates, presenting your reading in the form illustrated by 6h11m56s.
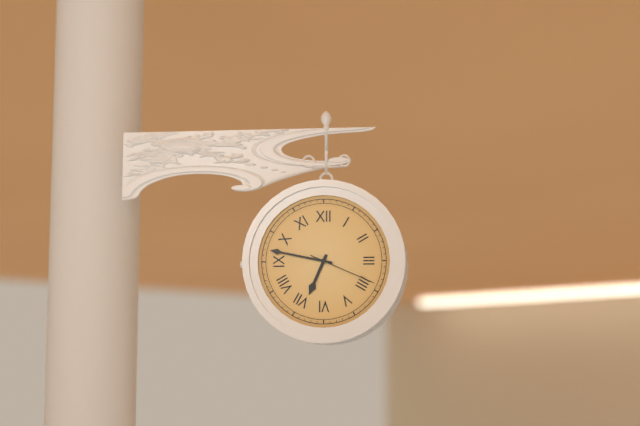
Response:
6h47m19s
